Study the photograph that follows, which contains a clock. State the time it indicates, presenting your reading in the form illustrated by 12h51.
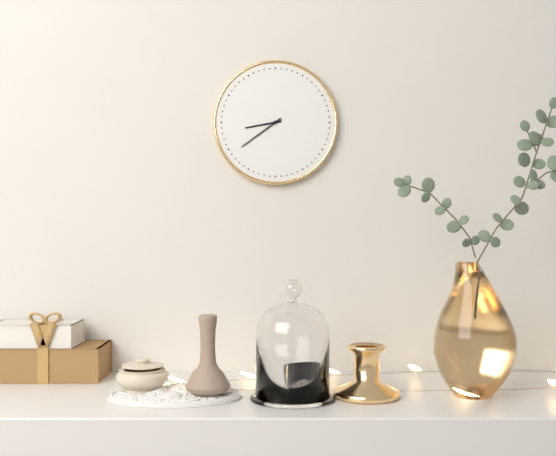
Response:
8h39
